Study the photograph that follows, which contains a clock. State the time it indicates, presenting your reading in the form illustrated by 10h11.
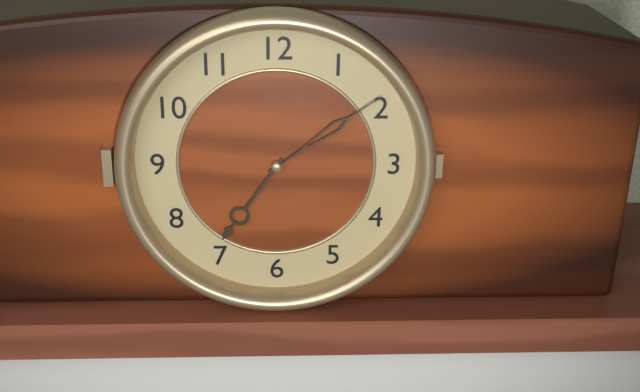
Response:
7h09
